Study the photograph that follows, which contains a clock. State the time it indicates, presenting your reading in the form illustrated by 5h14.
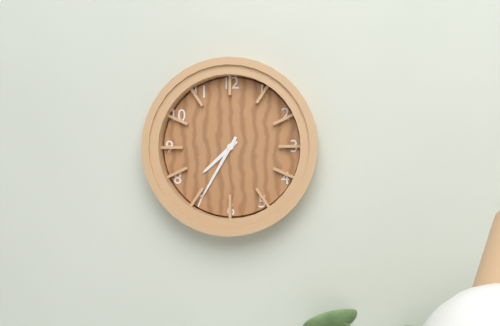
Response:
7h35
